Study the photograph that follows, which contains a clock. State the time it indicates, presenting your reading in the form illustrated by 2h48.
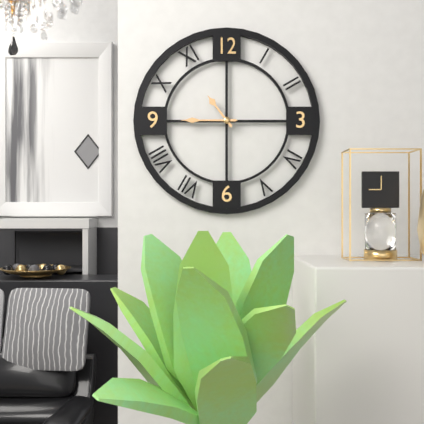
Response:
10h45
